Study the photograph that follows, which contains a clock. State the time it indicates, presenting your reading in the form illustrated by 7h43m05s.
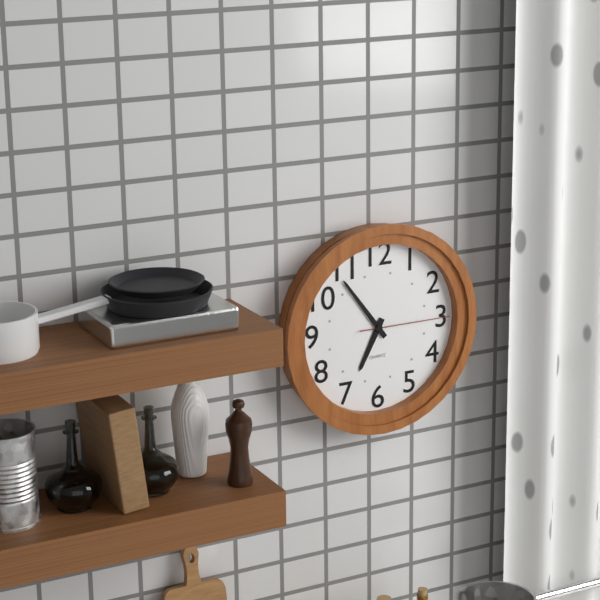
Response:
6h54m15s
